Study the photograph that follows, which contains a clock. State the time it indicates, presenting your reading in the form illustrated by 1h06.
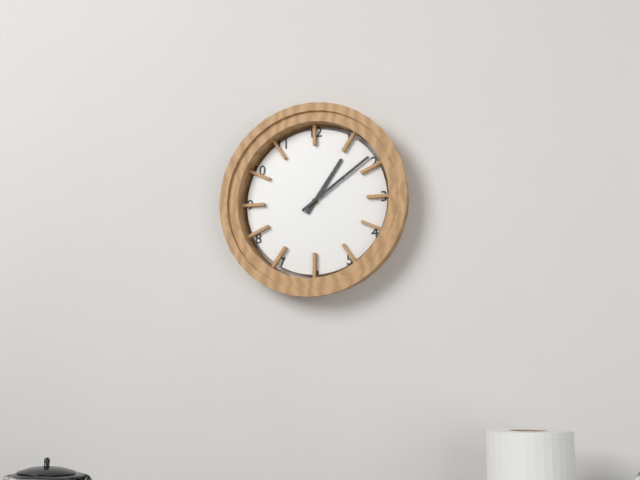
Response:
1h09
